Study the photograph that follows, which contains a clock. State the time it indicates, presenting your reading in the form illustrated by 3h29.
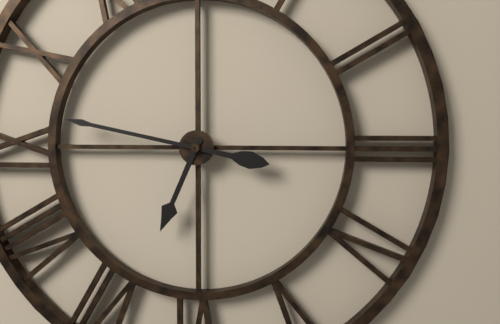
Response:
6h47
